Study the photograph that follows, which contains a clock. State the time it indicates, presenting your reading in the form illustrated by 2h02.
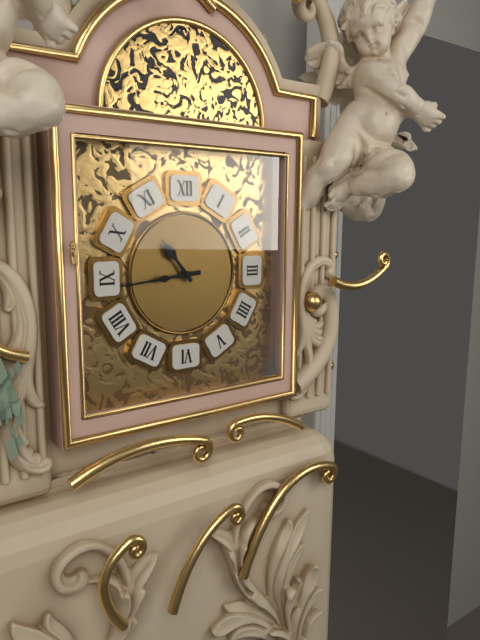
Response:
10h44
